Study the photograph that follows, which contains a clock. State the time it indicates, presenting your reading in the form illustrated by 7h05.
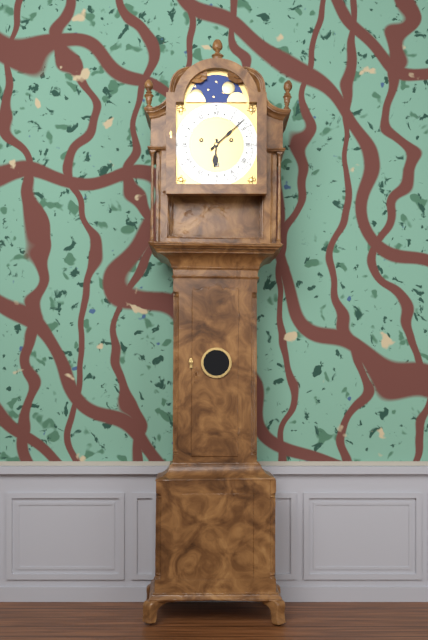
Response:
6h08
